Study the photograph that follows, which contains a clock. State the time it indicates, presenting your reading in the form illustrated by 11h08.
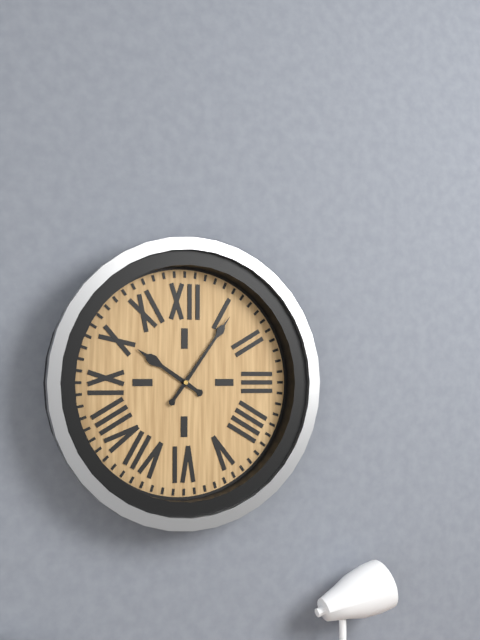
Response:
10h06
